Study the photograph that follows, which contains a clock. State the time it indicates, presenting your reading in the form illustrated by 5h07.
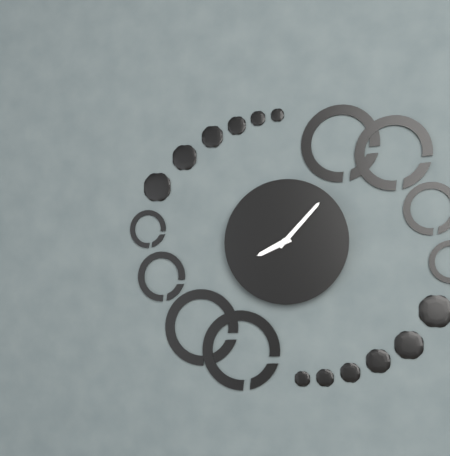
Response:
8h07
